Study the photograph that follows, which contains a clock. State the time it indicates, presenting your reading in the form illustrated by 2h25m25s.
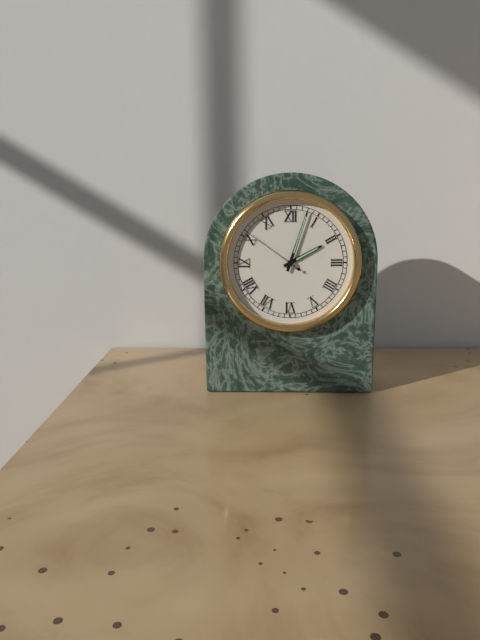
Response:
2h03m51s
